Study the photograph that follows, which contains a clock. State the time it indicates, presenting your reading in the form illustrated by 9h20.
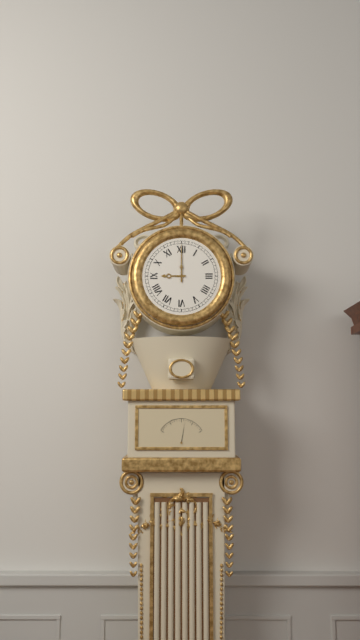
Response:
9h00
